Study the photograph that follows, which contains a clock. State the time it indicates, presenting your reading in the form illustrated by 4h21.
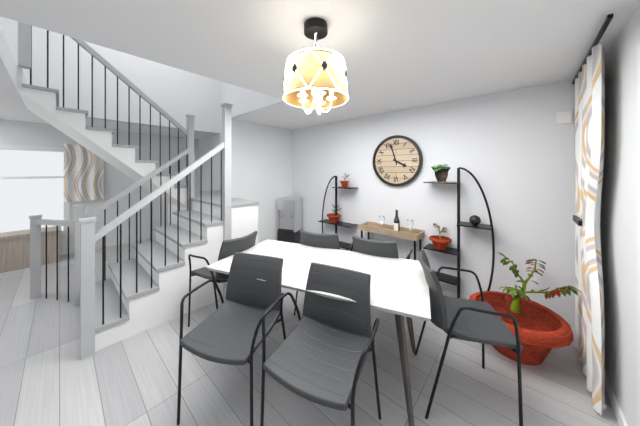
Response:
3h57
